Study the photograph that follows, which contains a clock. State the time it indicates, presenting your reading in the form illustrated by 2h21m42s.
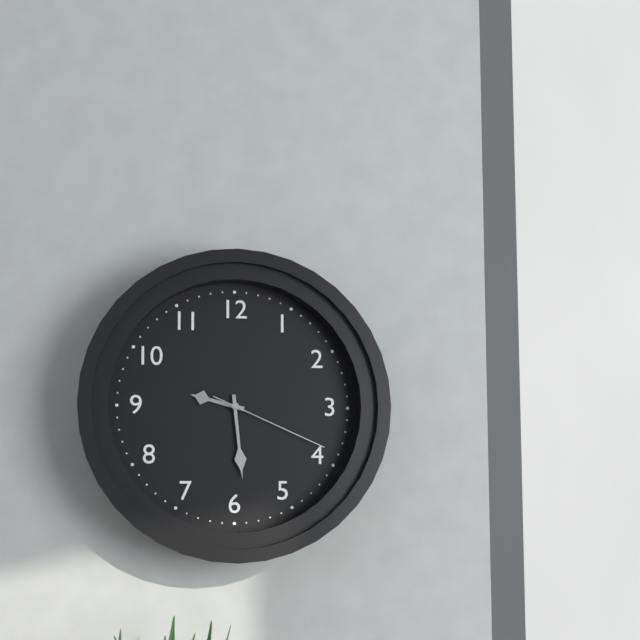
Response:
9h29m19s
